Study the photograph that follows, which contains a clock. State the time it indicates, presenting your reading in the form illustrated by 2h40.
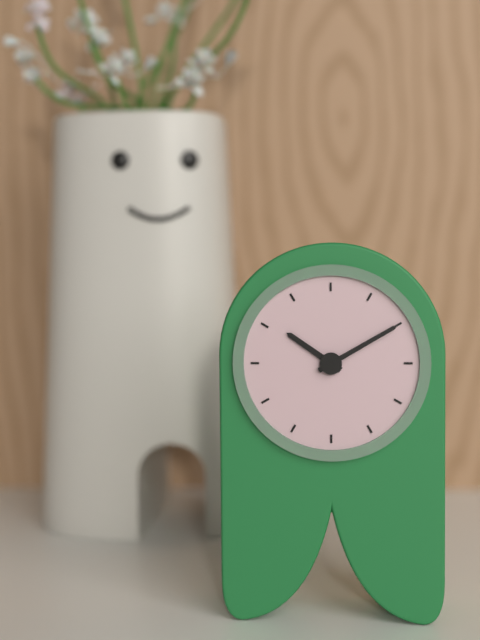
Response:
10h10
